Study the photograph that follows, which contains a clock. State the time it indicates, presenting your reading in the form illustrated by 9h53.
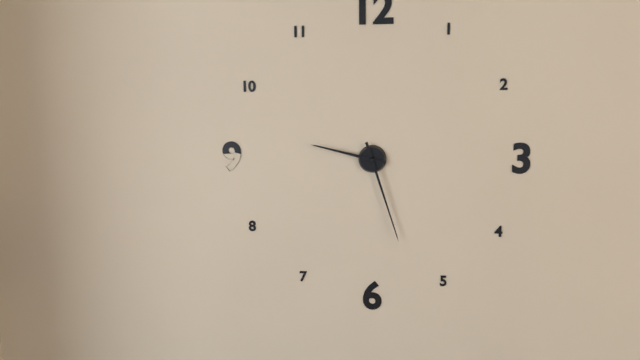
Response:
9h27
